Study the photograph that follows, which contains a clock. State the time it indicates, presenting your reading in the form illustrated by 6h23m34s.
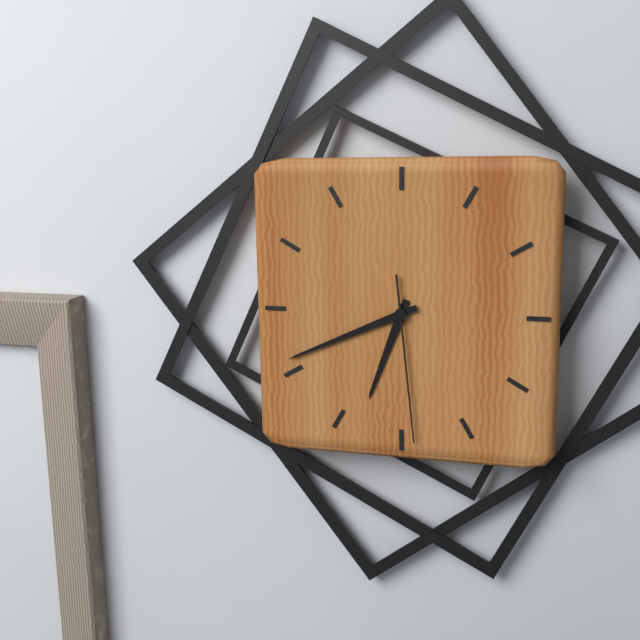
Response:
6h41m29s
